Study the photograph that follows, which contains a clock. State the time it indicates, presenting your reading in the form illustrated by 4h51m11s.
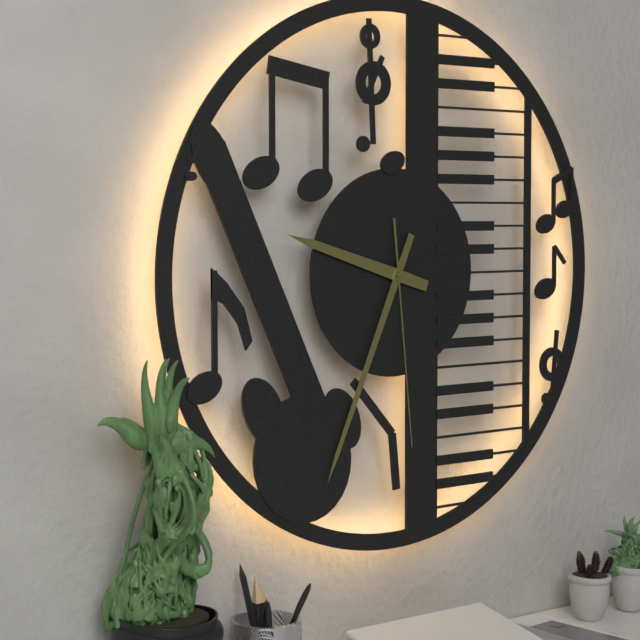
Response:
9h34m29s
